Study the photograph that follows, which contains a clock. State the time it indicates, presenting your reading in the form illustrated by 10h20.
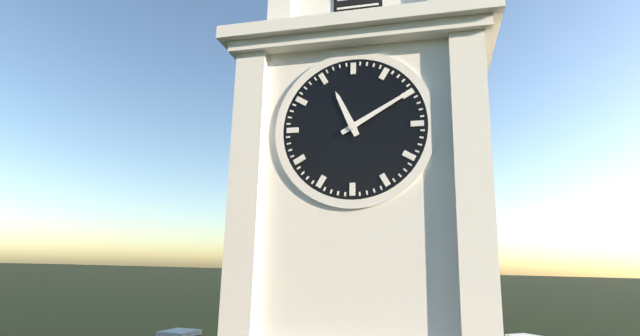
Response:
11h10
